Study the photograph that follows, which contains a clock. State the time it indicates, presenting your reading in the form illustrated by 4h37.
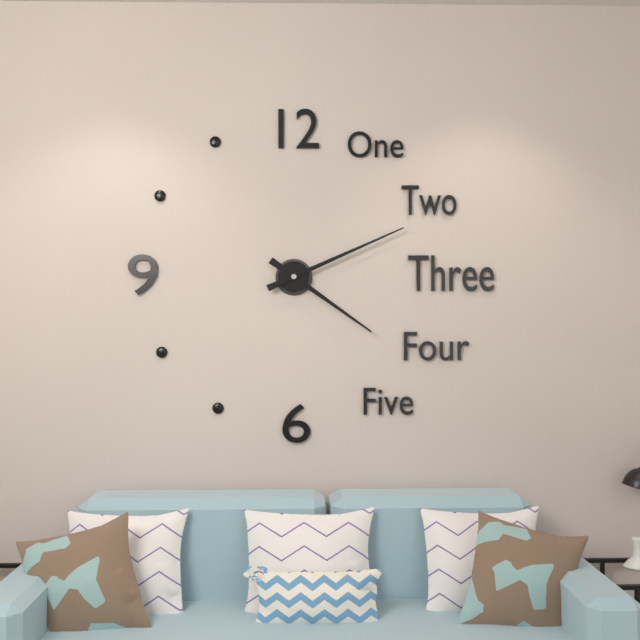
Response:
4h11
